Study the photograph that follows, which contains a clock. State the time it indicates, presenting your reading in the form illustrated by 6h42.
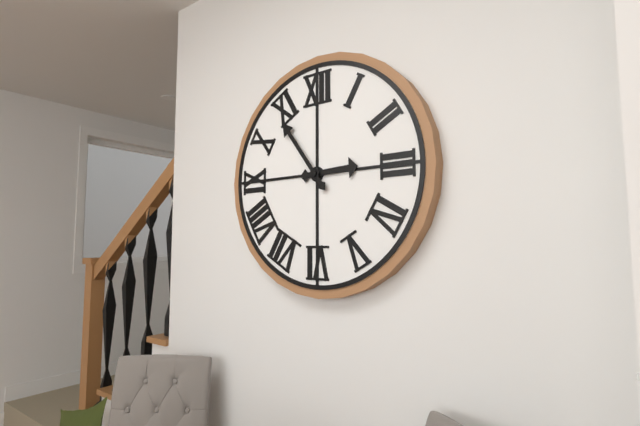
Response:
2h54
